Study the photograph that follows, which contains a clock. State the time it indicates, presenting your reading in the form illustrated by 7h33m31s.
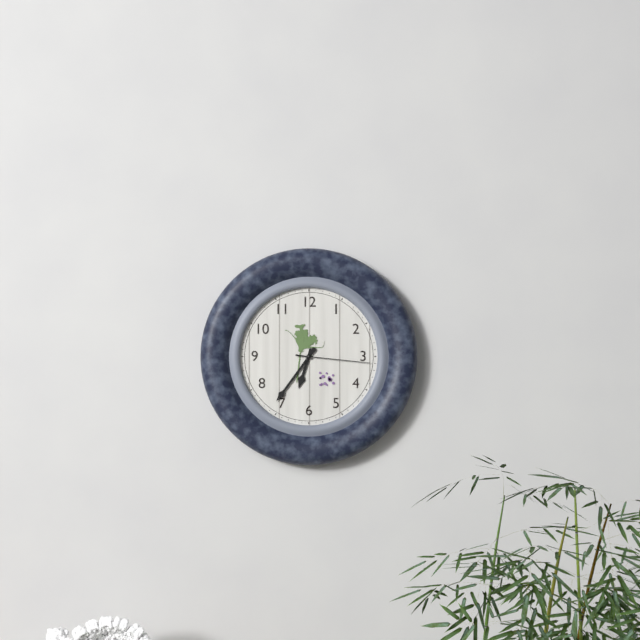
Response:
6h36m16s
